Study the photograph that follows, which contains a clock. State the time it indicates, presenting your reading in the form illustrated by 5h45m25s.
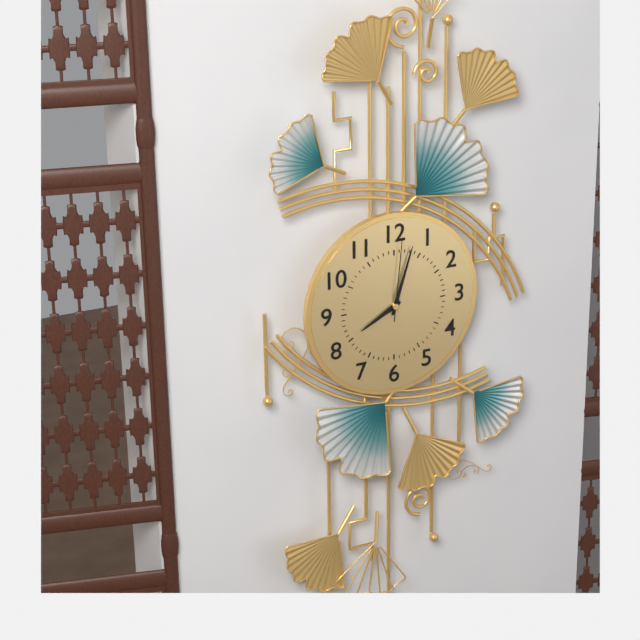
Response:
8h03m01s
